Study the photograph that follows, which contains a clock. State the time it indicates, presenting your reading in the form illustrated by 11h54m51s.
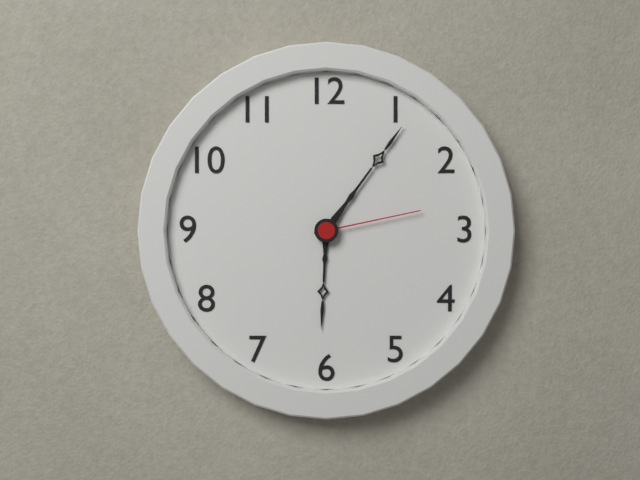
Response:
6h06m13s
